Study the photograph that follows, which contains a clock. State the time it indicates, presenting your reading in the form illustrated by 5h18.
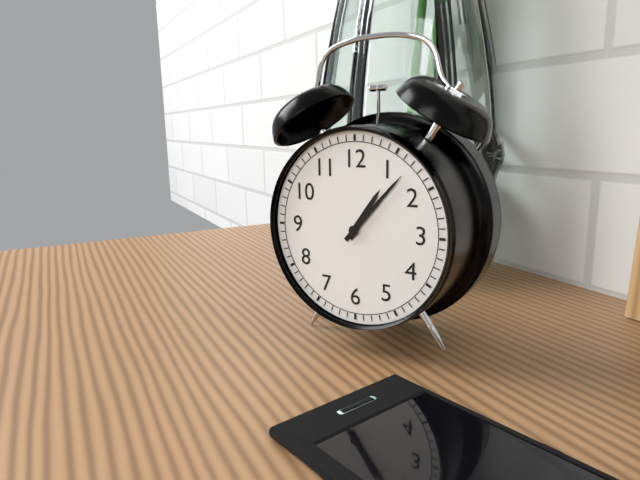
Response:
1h07
